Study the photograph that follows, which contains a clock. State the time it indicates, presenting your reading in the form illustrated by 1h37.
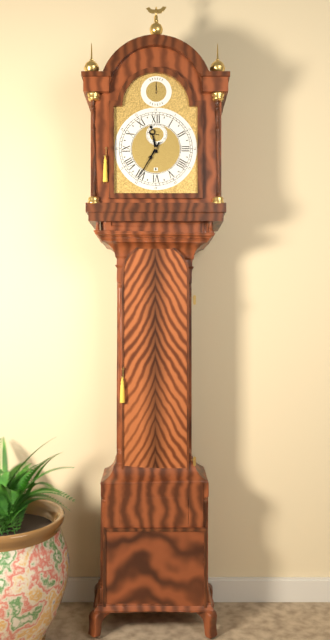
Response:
11h35
